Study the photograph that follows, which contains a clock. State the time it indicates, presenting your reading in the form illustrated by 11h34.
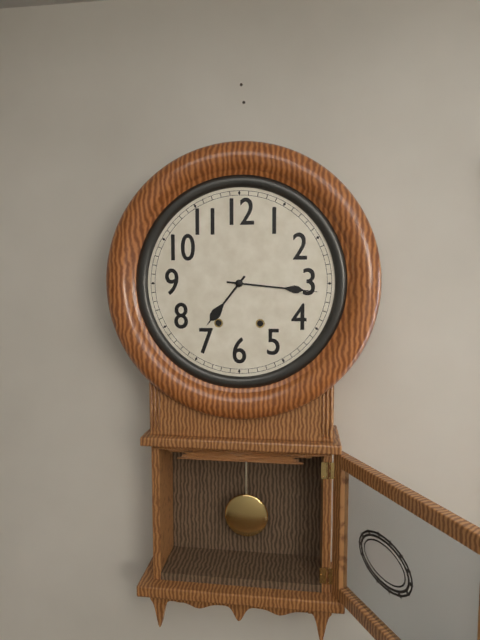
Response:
7h16
